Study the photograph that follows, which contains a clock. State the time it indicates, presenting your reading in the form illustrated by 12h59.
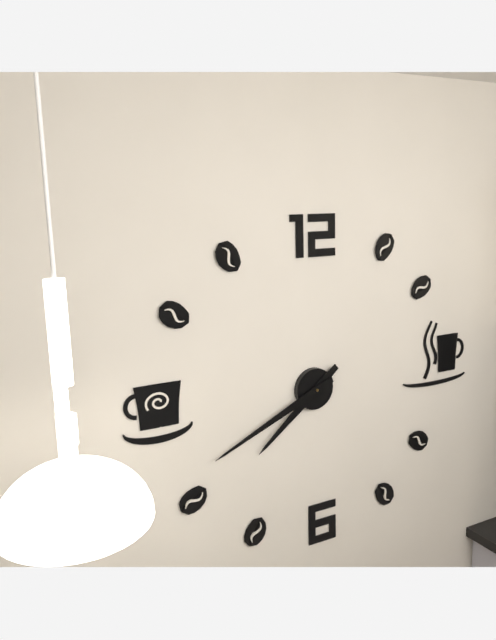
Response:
7h41
